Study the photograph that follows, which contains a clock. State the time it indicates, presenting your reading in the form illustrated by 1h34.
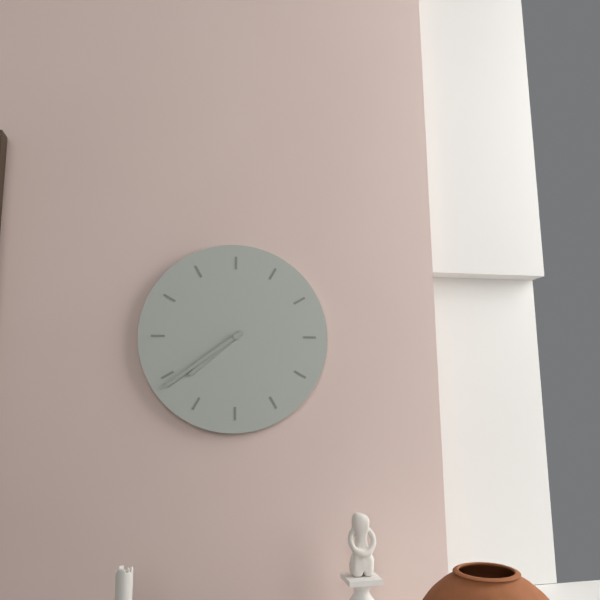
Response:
7h39
